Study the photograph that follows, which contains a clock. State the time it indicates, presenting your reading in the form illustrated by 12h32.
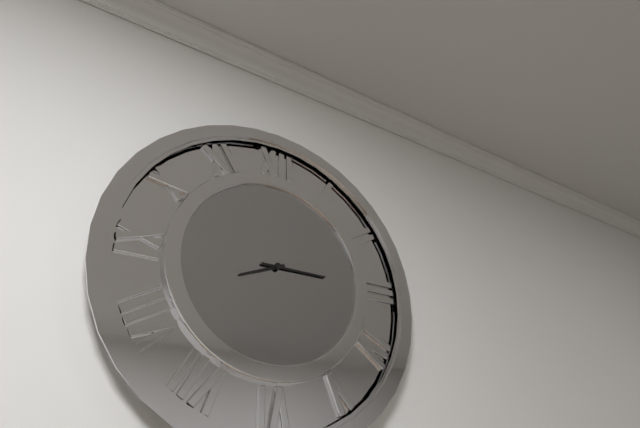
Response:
8h15
